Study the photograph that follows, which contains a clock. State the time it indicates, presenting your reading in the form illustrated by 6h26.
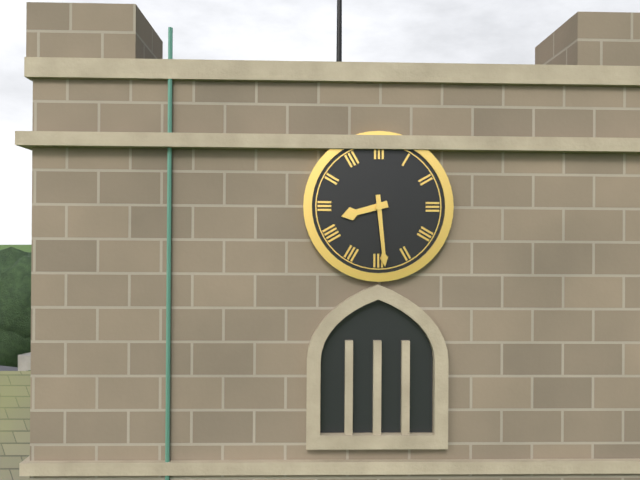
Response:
8h29
